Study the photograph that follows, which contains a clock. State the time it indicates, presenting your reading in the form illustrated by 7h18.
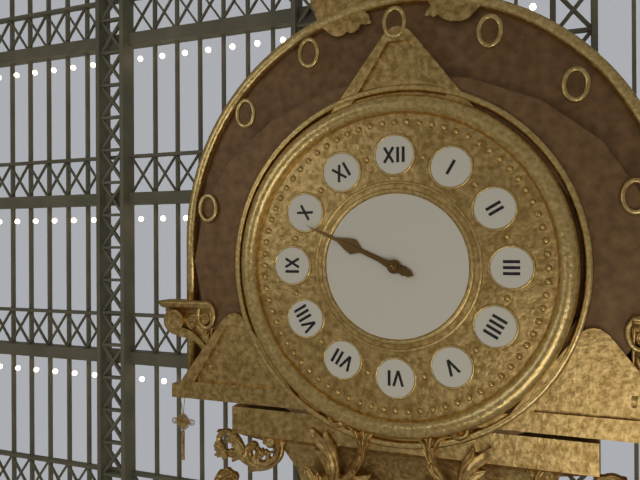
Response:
9h49
